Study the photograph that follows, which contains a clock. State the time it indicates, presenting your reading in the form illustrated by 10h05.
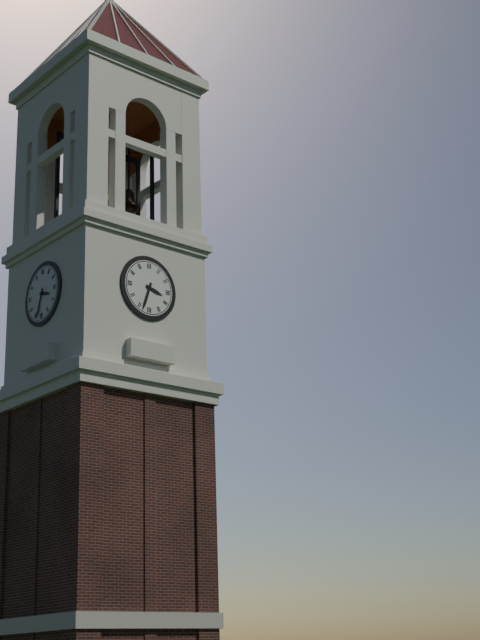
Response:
3h33
